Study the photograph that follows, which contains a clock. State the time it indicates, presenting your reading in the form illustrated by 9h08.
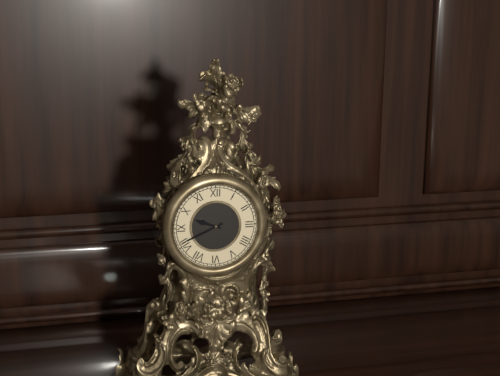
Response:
9h41
